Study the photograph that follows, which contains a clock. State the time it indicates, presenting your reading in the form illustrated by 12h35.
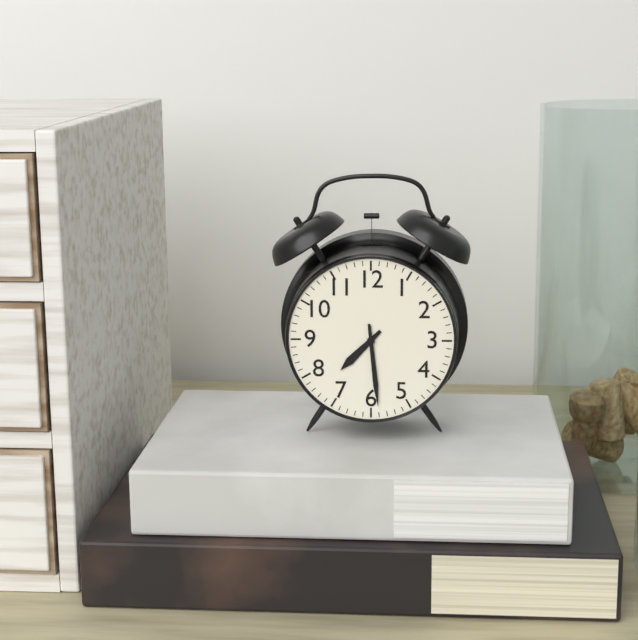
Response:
7h29
